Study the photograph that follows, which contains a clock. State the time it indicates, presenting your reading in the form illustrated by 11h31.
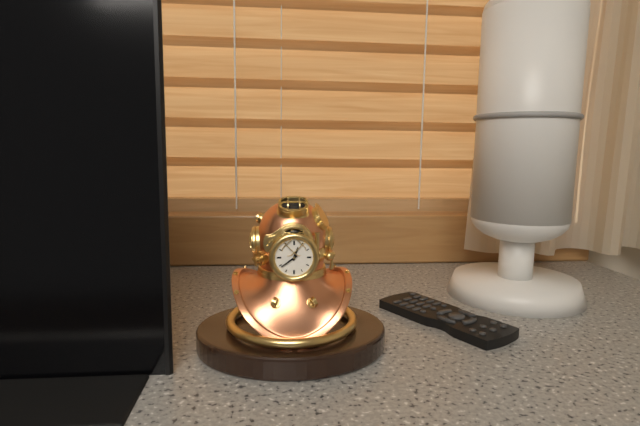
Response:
12h39
